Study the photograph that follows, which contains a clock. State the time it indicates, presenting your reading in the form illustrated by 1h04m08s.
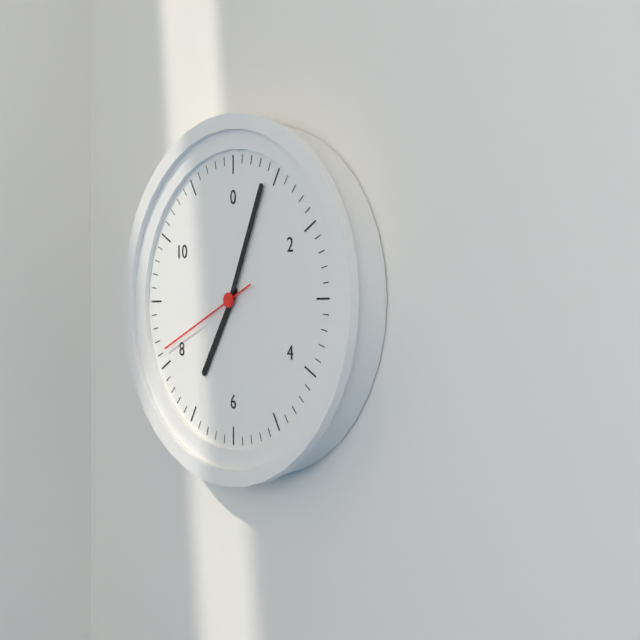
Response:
7h04m41s
